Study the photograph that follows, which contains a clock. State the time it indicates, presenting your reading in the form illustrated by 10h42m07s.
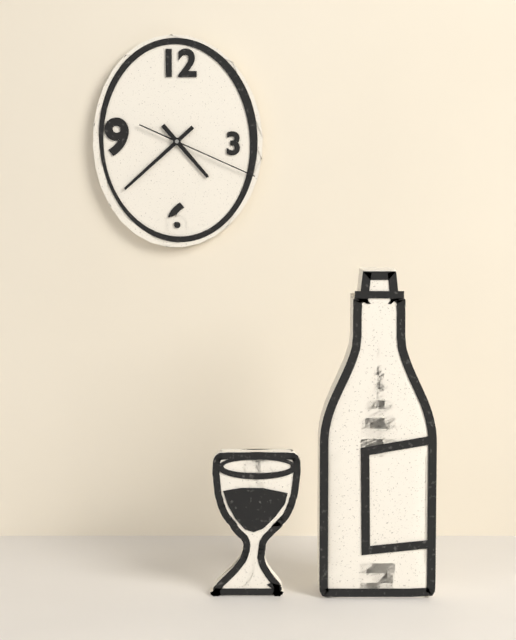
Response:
4h38m19s
